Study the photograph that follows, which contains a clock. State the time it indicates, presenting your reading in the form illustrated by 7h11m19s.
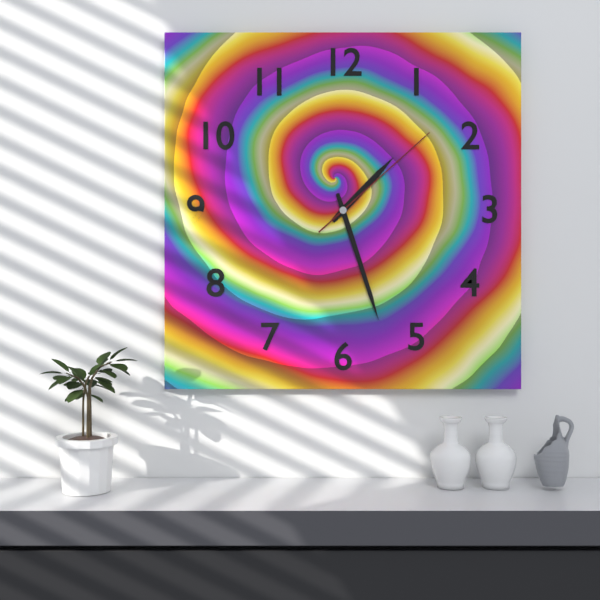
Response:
1h27m08s
